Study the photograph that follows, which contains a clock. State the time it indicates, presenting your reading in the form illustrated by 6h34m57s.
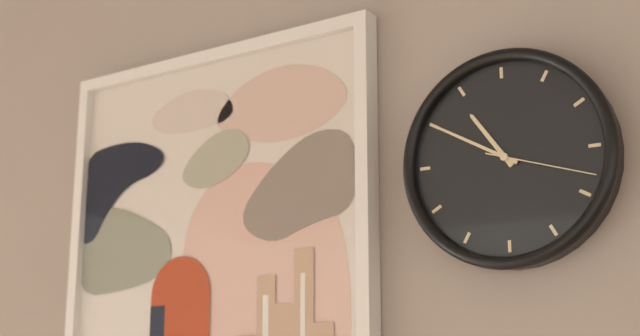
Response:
10h50m18s
